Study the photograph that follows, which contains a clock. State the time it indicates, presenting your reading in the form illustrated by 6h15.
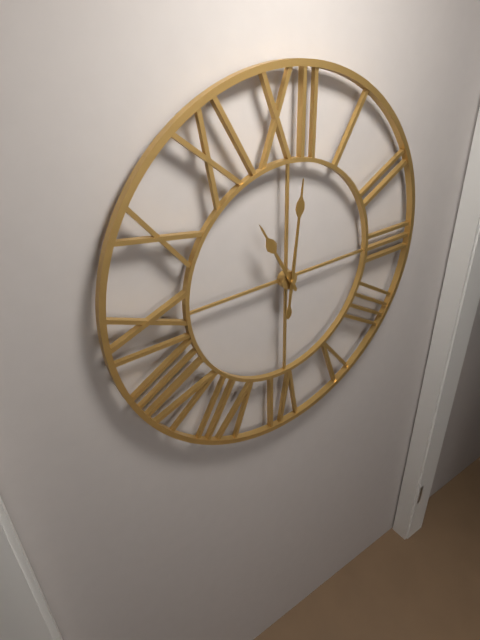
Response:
11h01
